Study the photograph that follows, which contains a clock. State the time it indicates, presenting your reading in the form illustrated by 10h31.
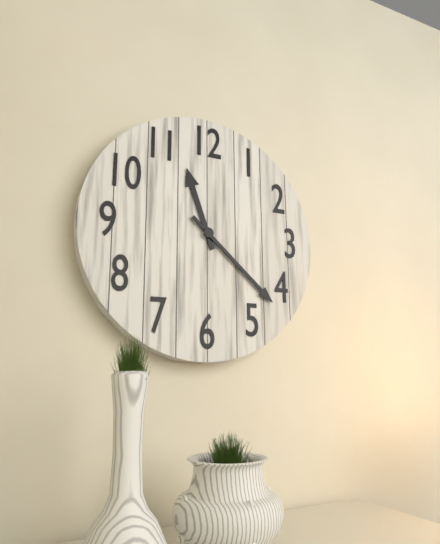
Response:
11h22
